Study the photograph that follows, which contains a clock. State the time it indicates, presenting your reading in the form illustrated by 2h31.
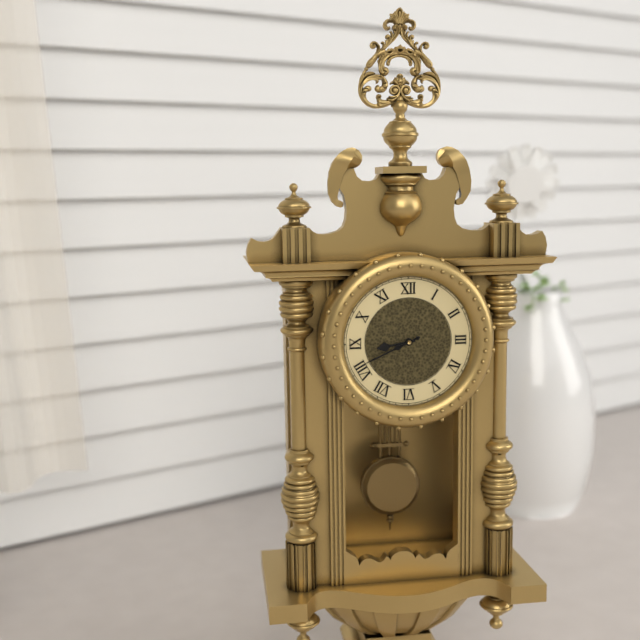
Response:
8h41
